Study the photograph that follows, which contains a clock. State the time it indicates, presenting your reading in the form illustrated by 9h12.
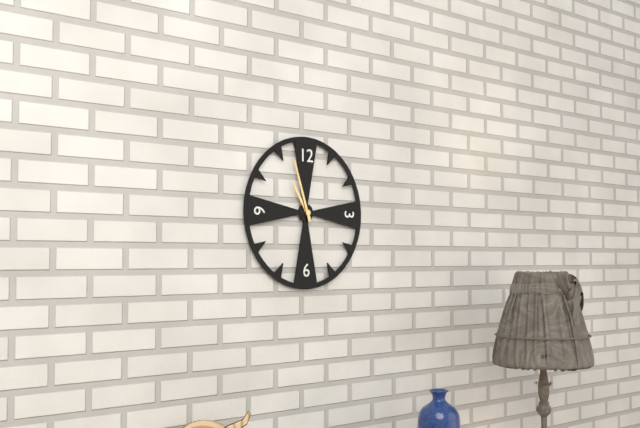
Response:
10h57
